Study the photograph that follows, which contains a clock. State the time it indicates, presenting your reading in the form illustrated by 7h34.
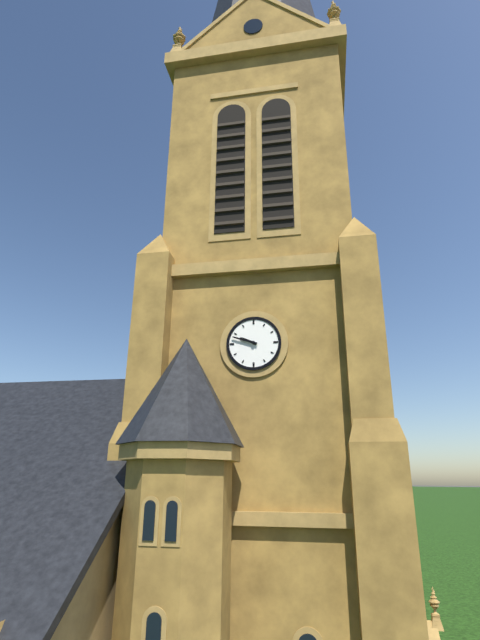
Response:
9h48
